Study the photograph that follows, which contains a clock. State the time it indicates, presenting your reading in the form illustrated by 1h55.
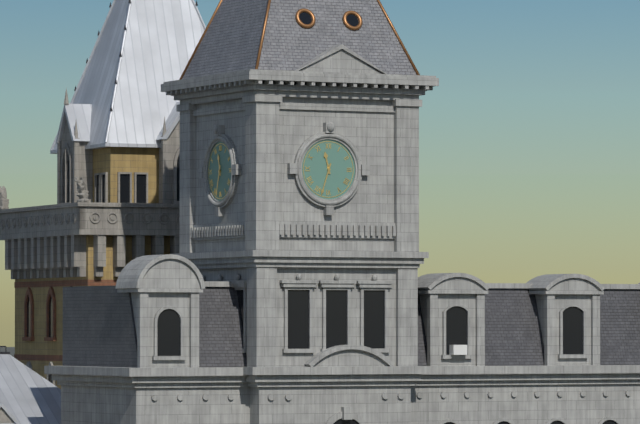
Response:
11h33
